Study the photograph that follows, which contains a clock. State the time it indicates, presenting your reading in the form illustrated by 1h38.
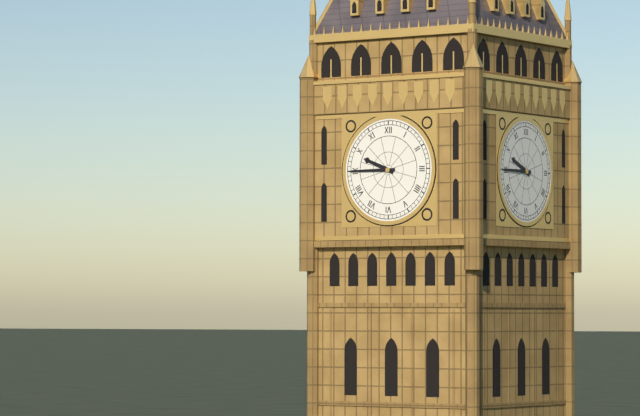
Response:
9h45
